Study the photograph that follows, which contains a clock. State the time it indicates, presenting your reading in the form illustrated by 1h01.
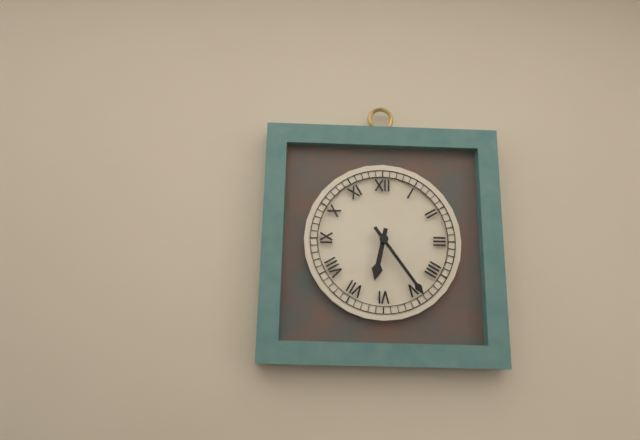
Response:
6h24
